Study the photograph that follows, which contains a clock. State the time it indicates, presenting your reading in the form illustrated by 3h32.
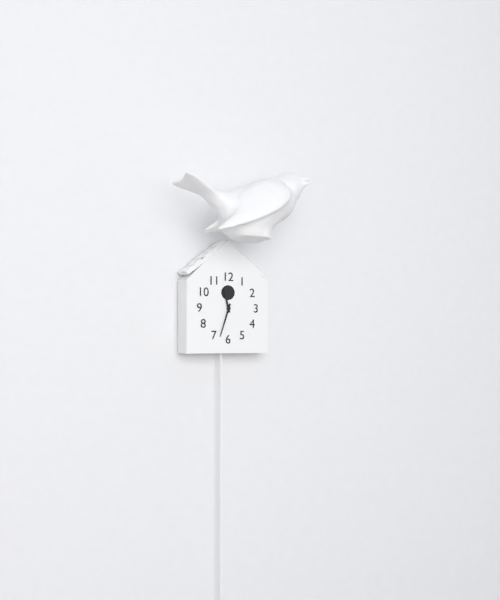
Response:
11h33
